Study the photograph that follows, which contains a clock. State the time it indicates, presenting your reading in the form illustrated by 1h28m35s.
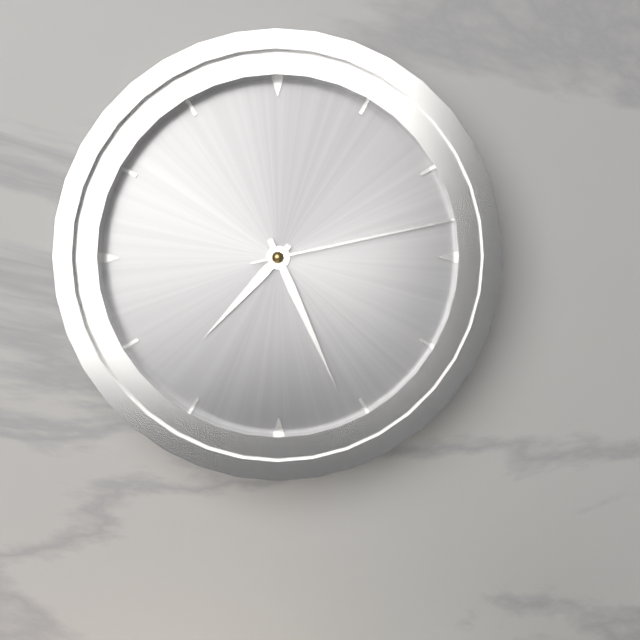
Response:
7h26m13s
